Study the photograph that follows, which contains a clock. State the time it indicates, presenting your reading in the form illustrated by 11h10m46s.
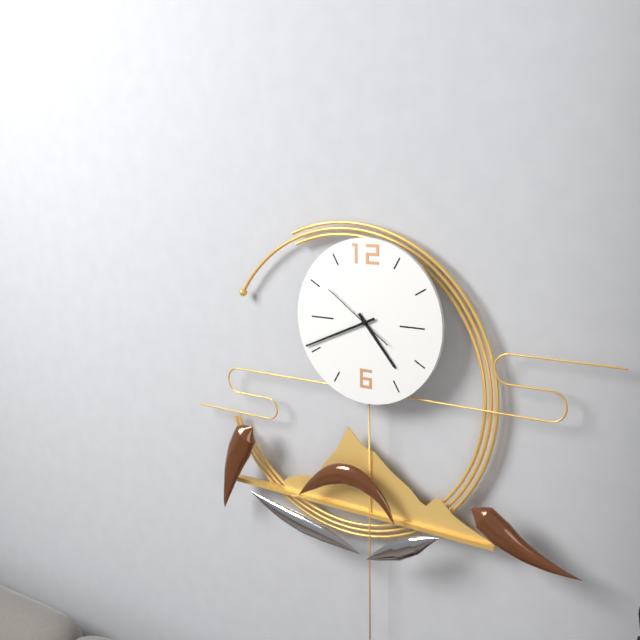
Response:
4h41m51s
